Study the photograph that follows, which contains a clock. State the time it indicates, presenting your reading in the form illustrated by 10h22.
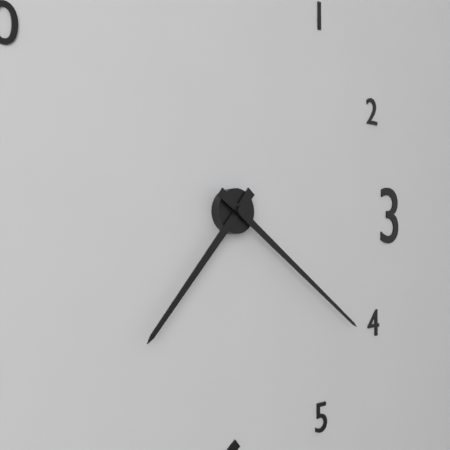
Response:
7h21
